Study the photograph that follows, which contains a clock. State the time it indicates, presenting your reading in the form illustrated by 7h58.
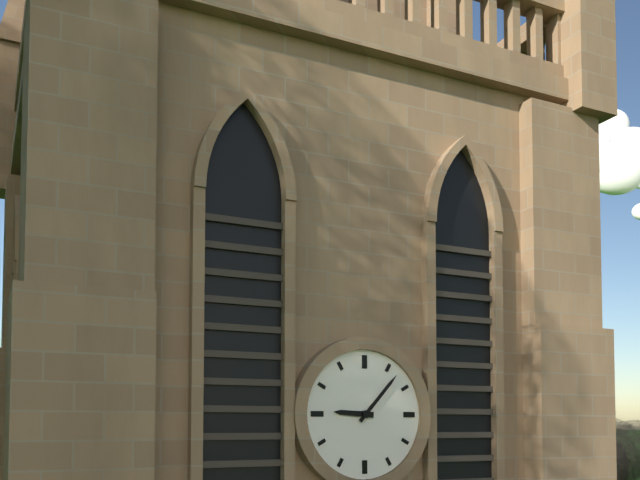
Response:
9h07
